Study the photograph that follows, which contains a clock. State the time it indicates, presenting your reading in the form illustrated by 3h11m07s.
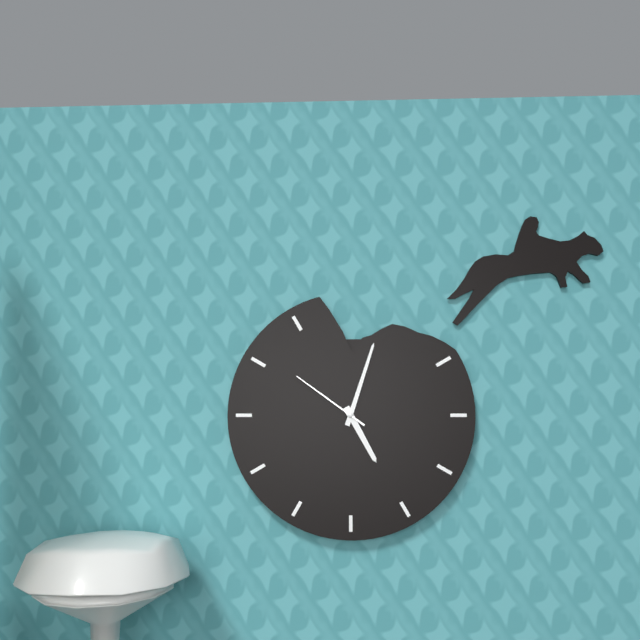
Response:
5h03m51s
